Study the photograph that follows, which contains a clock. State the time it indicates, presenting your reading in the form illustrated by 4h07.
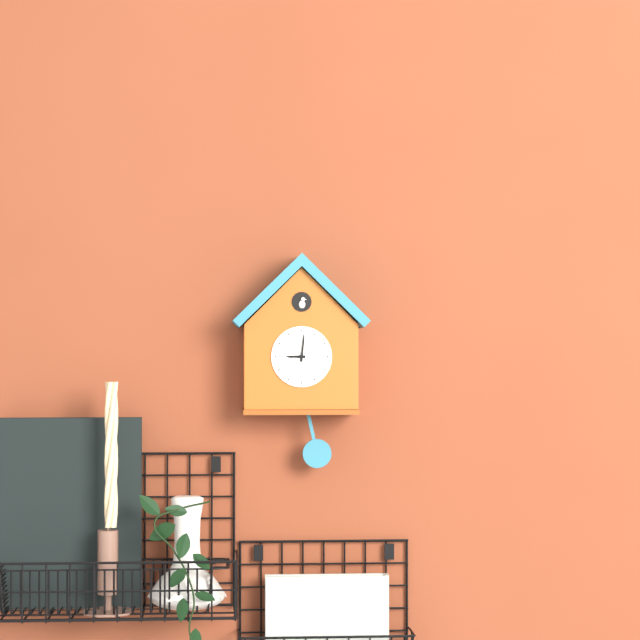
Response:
9h01
